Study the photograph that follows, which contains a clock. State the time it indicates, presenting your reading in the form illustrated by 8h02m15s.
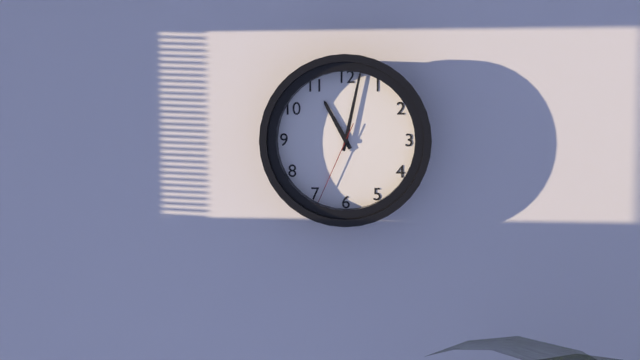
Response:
11h02m34s
